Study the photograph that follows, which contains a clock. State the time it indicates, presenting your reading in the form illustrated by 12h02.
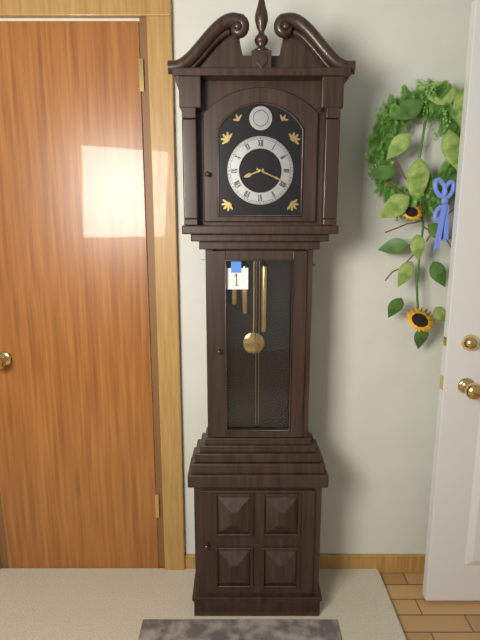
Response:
8h19
